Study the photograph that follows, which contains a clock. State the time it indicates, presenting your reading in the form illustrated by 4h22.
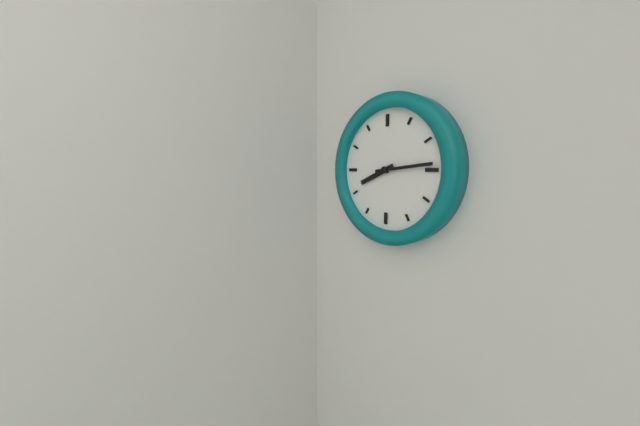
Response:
8h14
